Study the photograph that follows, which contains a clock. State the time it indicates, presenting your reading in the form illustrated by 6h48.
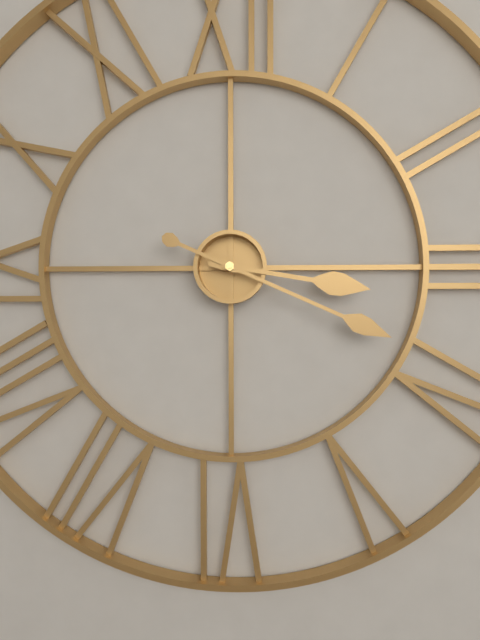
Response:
3h19
